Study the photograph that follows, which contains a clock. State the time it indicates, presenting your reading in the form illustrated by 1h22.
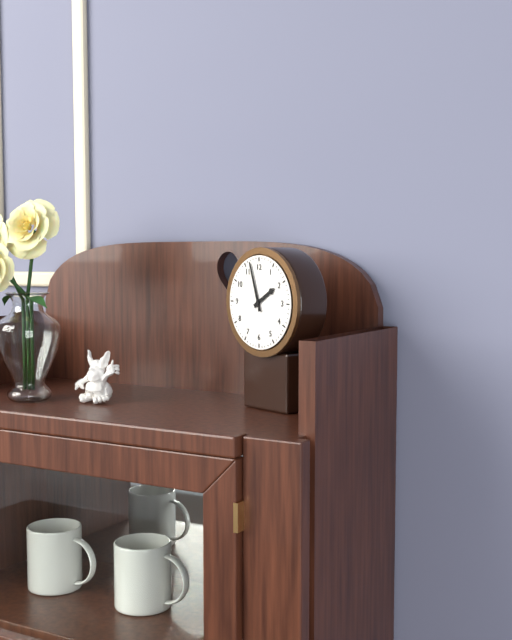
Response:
1h57
